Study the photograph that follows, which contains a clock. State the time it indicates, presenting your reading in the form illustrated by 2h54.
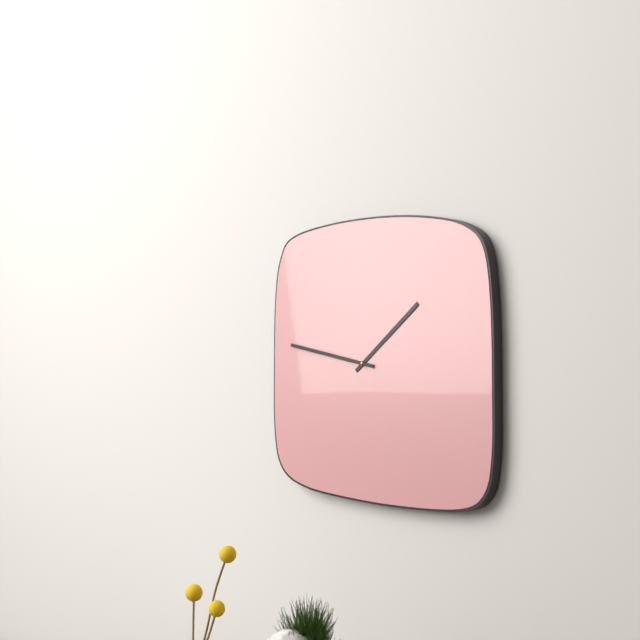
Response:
1h47
